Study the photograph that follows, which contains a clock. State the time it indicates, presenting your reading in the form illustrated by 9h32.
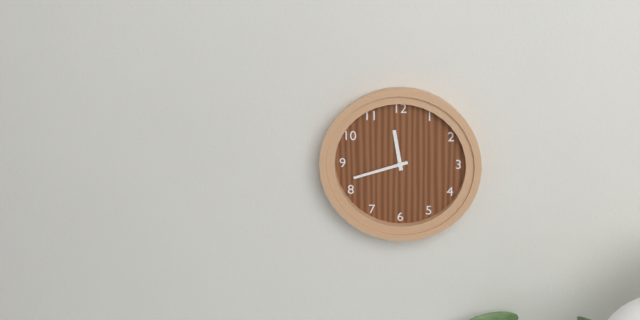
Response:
11h42
